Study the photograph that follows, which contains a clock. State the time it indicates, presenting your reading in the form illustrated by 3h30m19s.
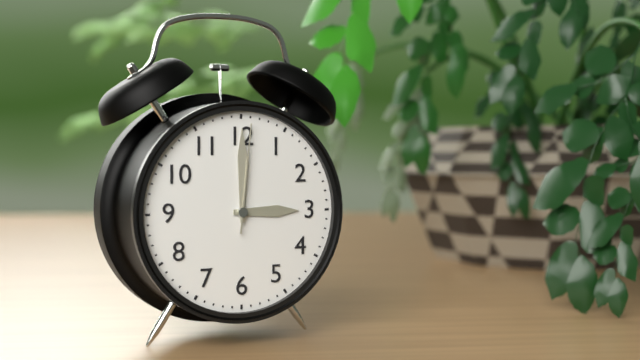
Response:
3h00m01s
